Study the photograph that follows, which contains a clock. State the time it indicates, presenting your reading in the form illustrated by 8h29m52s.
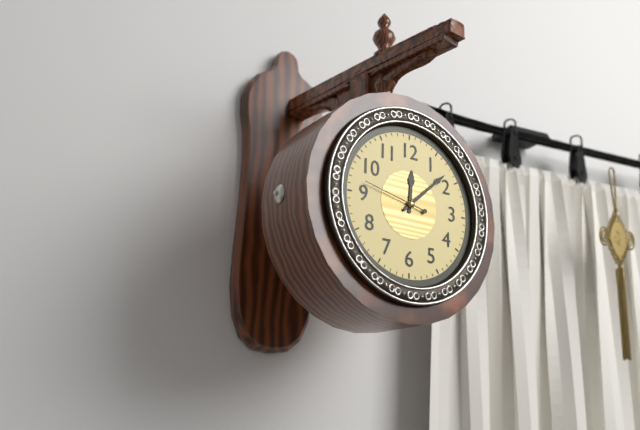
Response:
12h08m47s
